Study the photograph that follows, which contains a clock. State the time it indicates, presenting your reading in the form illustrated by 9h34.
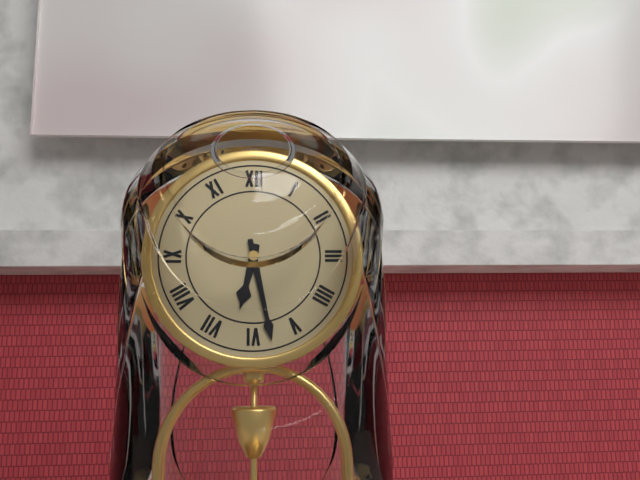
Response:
6h28
